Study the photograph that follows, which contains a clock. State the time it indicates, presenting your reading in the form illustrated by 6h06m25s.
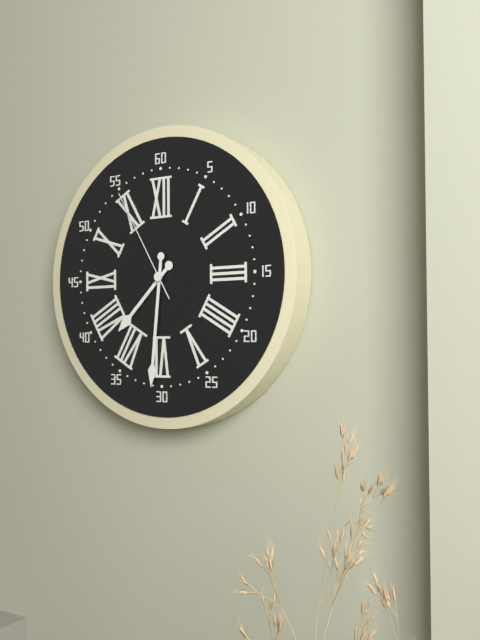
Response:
7h31m55s
